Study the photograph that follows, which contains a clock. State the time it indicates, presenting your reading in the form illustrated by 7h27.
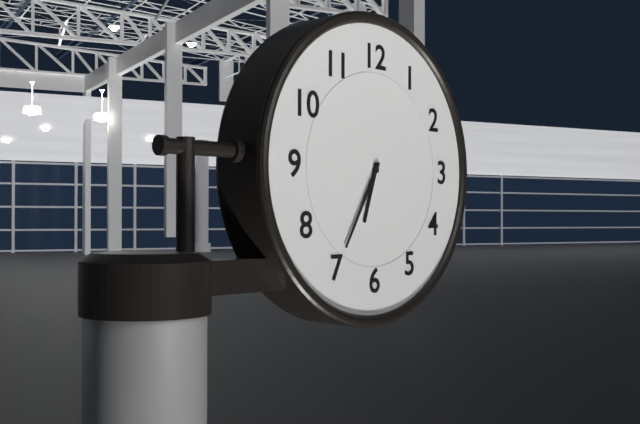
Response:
6h35
